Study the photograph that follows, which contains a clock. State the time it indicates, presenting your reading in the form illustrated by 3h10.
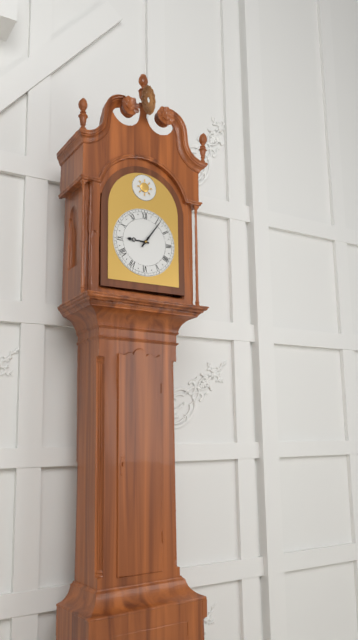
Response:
9h06
